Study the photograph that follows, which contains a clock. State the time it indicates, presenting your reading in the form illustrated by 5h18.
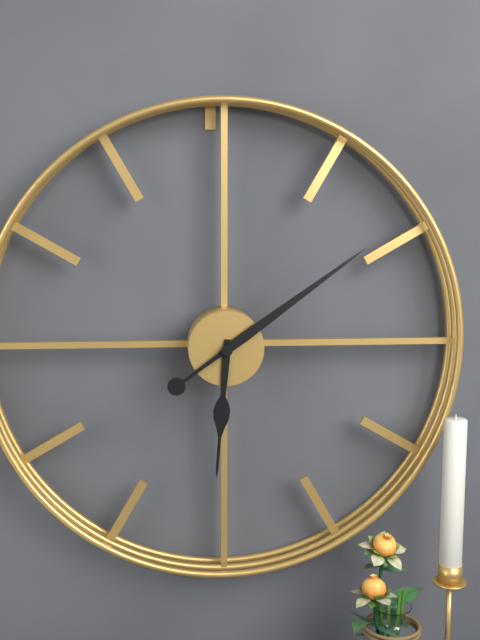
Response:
6h09
